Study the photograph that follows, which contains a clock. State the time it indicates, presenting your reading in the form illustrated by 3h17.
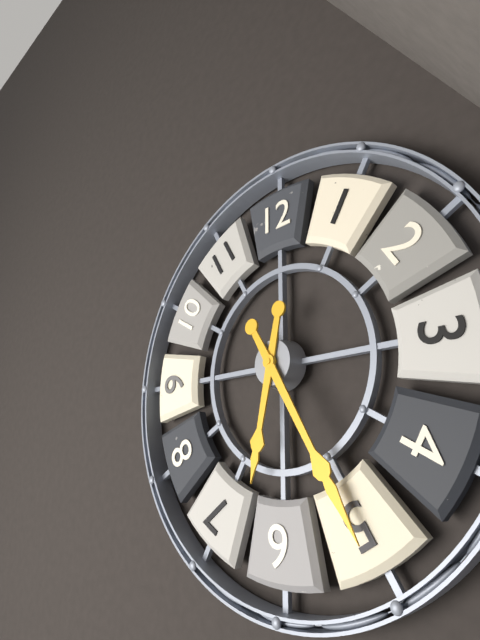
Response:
6h25
